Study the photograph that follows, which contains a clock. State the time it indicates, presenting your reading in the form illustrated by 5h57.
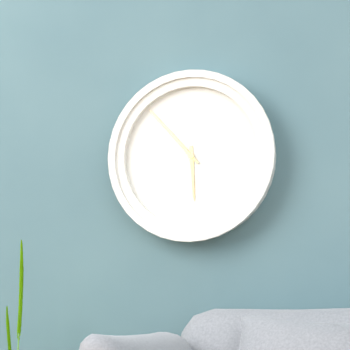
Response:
5h53
